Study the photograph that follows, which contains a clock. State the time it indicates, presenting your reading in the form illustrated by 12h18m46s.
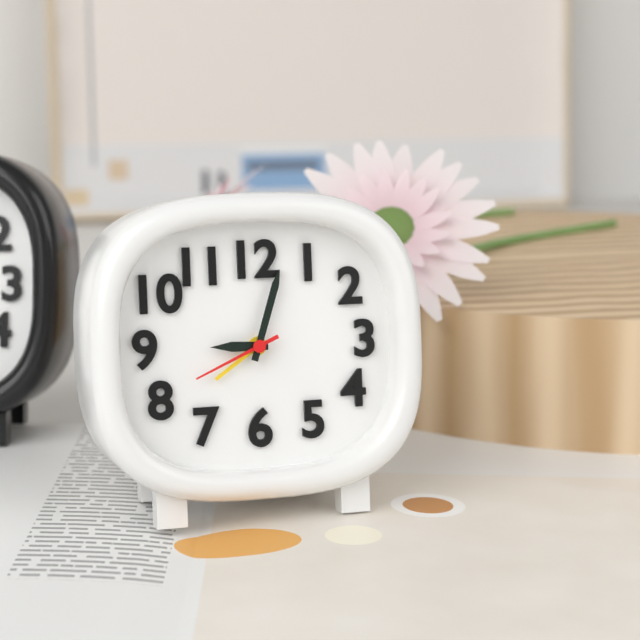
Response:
9h03m41s
